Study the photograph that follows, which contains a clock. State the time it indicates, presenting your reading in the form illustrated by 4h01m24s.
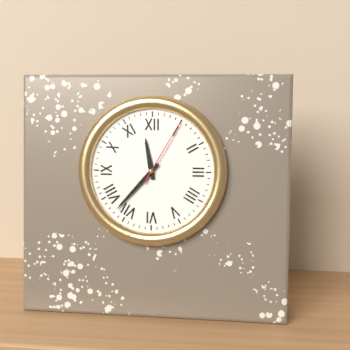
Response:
11h37m05s
